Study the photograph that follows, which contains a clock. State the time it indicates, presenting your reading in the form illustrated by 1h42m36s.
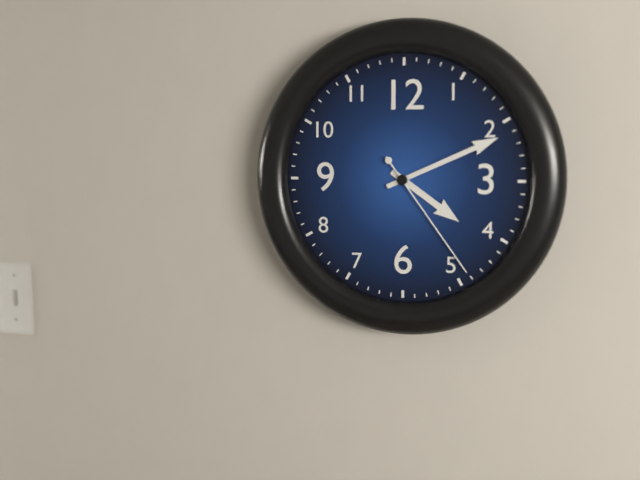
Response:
4h11m24s
